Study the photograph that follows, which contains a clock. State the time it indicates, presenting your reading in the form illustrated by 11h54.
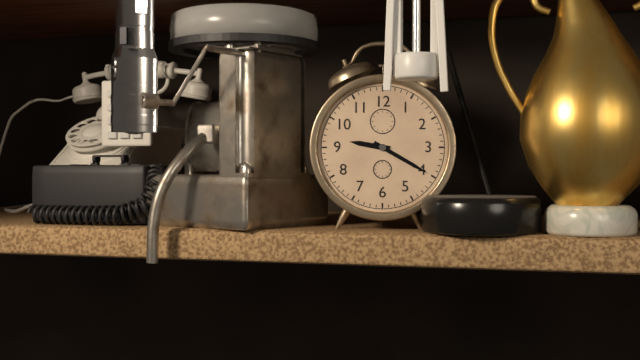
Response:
9h20
